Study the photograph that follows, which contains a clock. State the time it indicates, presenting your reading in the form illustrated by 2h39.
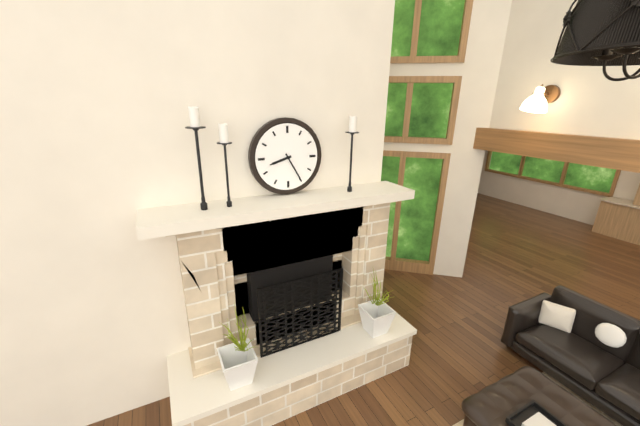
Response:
8h25
